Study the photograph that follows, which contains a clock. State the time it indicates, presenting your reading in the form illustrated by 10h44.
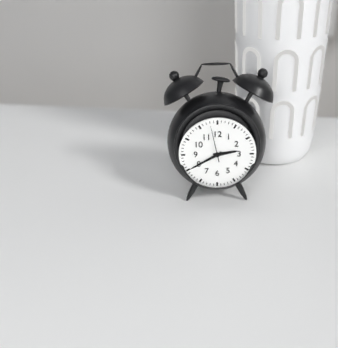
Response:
2h40
